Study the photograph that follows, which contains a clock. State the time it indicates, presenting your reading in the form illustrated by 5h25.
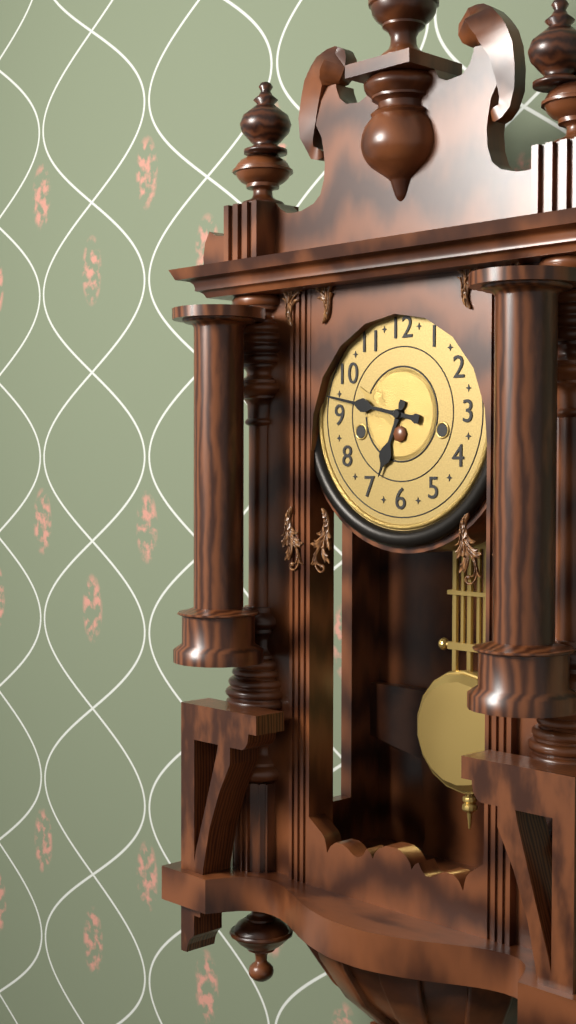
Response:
6h47
